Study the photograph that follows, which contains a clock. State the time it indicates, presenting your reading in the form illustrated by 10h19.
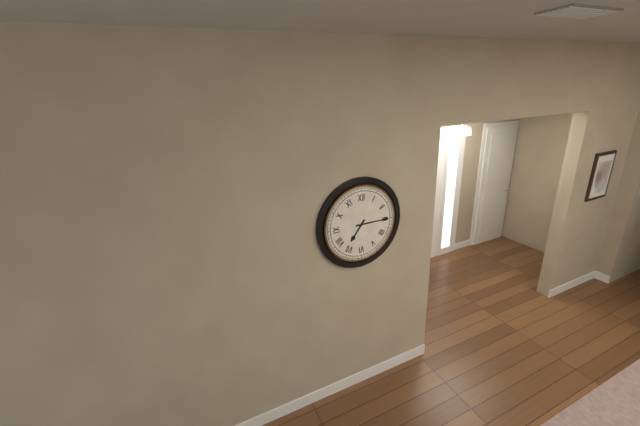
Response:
7h15
